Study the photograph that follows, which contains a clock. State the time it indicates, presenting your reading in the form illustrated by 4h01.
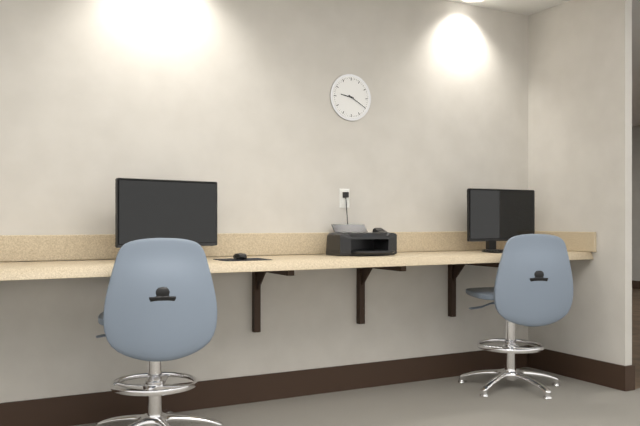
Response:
9h20
